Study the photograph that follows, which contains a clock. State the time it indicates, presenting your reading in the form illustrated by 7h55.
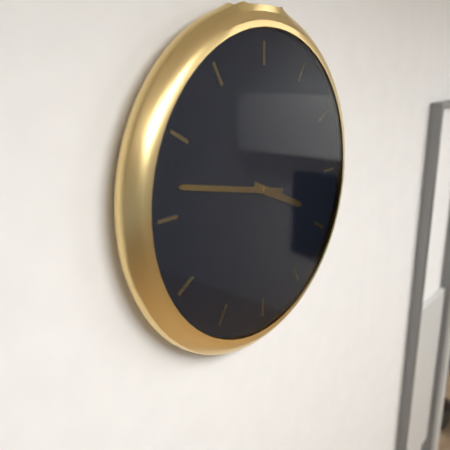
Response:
3h47
